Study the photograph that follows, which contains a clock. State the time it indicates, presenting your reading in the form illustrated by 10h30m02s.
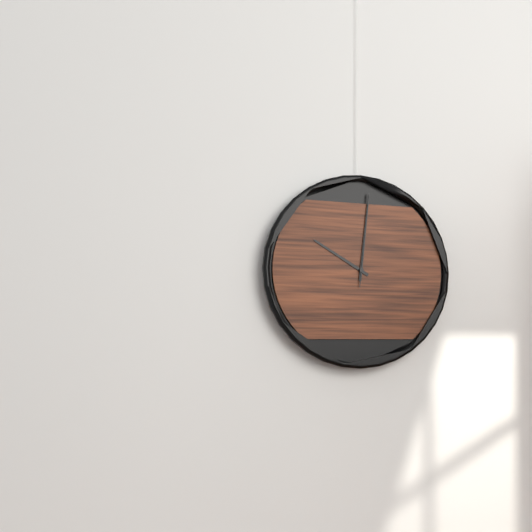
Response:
10h01m01s
